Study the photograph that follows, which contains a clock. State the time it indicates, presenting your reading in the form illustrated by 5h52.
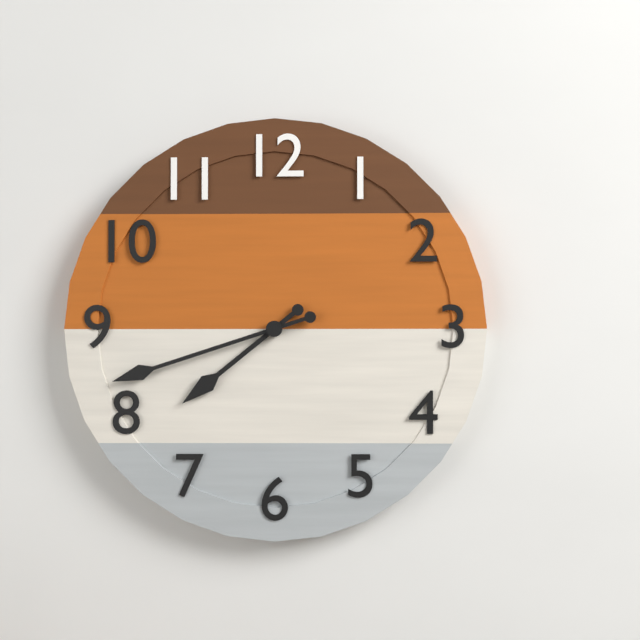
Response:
7h42
